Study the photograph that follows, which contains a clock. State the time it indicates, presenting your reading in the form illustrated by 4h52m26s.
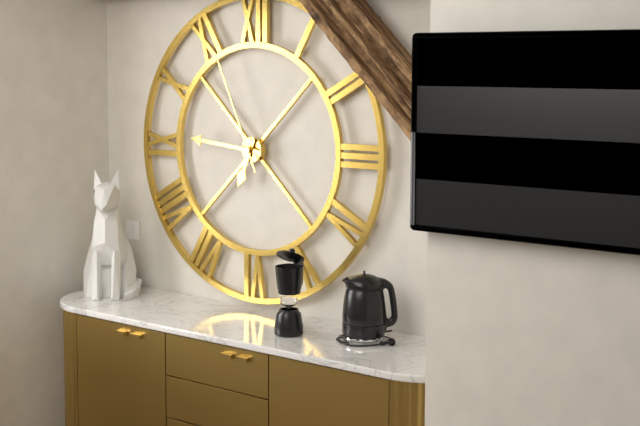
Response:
6h46m56s
